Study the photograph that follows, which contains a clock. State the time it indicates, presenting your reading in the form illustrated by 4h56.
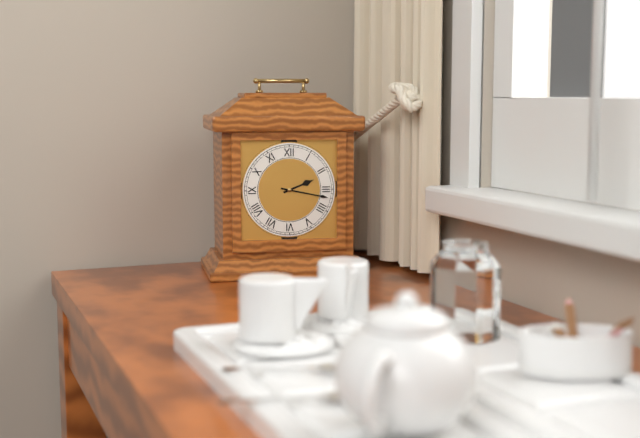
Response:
2h17
